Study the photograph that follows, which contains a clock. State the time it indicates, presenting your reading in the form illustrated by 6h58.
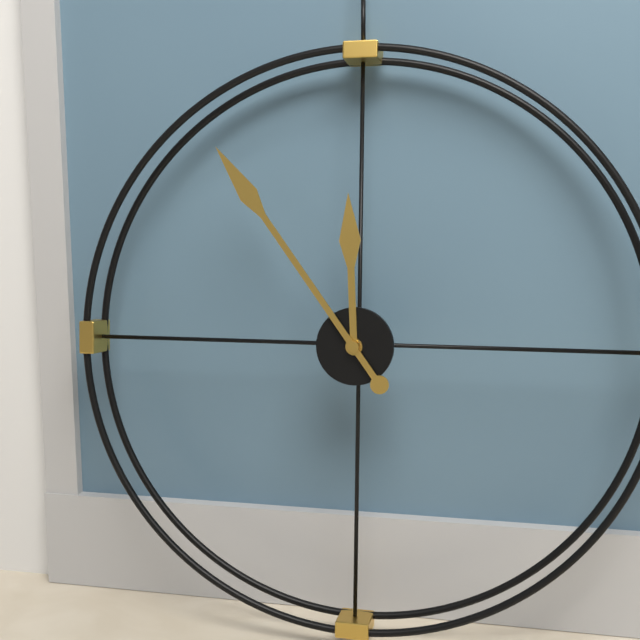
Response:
11h54
